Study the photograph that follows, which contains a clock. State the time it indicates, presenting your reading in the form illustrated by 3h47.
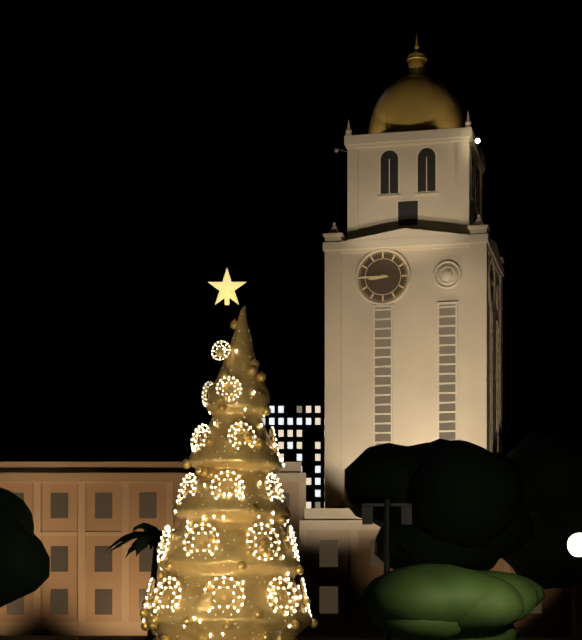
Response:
8h45
